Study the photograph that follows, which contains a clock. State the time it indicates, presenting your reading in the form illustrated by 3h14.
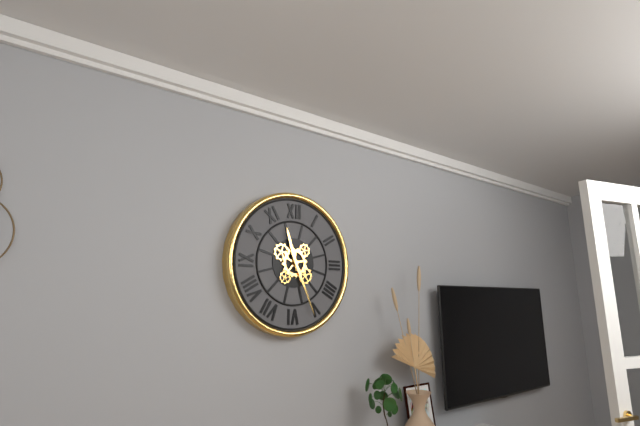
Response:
11h26
